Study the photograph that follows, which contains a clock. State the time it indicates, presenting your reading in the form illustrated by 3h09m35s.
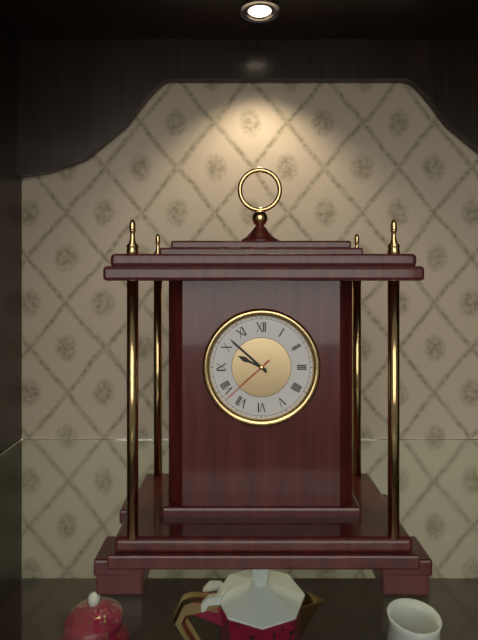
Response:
9h52m38s
